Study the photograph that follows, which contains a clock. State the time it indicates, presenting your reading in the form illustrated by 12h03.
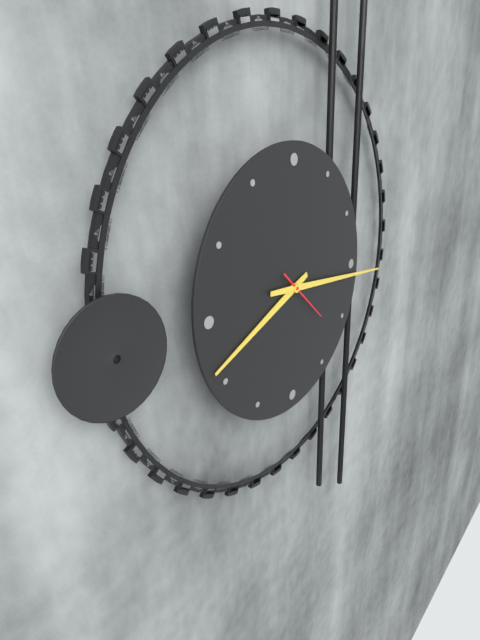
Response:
8h16
